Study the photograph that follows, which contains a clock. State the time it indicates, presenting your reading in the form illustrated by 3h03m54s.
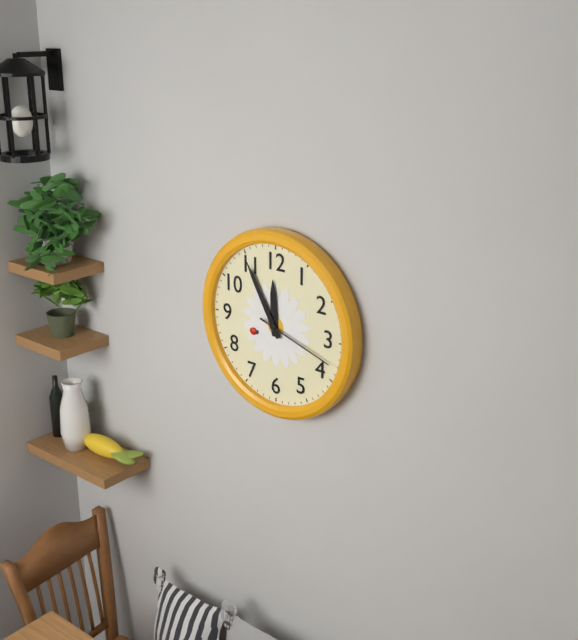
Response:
11h55m18s
